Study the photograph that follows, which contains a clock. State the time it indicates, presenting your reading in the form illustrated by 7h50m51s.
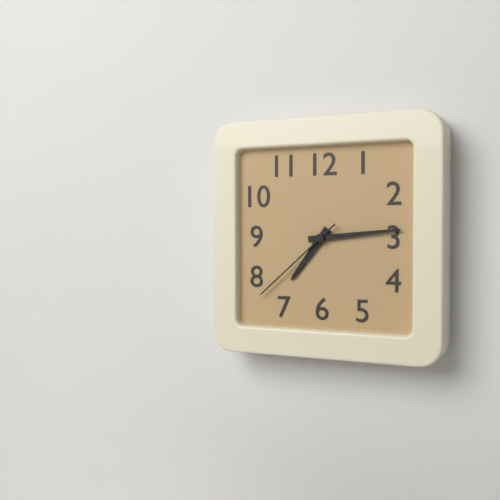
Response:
7h14m38s
